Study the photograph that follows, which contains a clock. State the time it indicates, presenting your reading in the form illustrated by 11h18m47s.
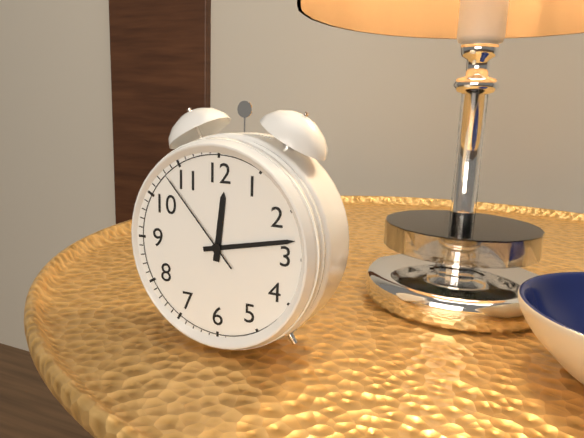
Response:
12h13m53s
